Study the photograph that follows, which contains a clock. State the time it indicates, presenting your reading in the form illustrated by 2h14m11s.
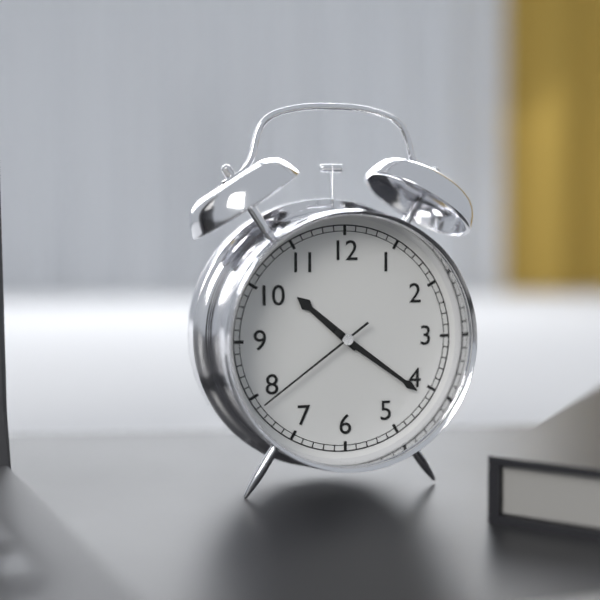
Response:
10h21m39s
